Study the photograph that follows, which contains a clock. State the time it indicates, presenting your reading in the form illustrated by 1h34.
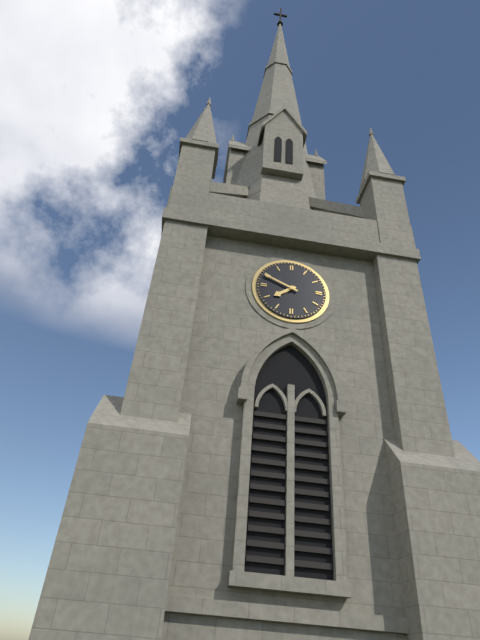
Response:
7h49
